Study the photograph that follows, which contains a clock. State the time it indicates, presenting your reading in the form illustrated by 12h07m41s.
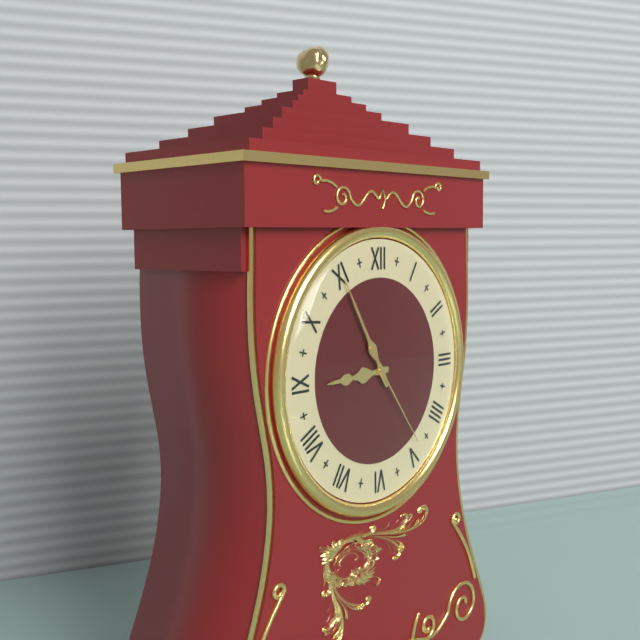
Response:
8h55m24s
